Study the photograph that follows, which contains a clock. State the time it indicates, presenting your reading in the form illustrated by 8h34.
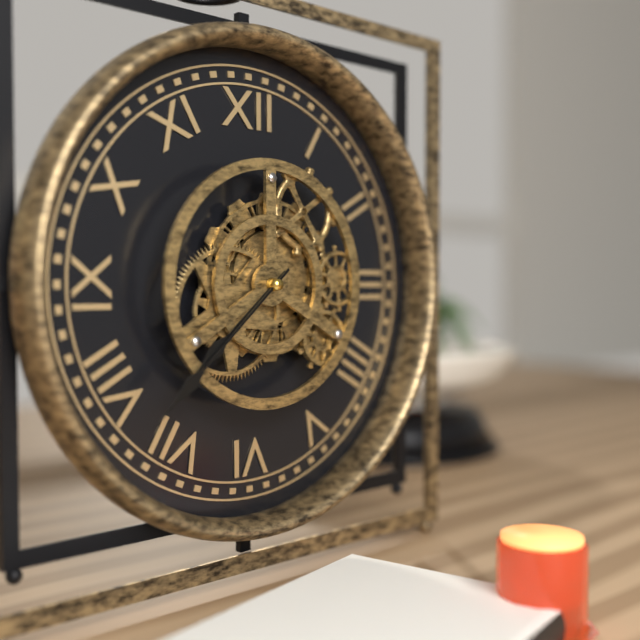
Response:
7h38
